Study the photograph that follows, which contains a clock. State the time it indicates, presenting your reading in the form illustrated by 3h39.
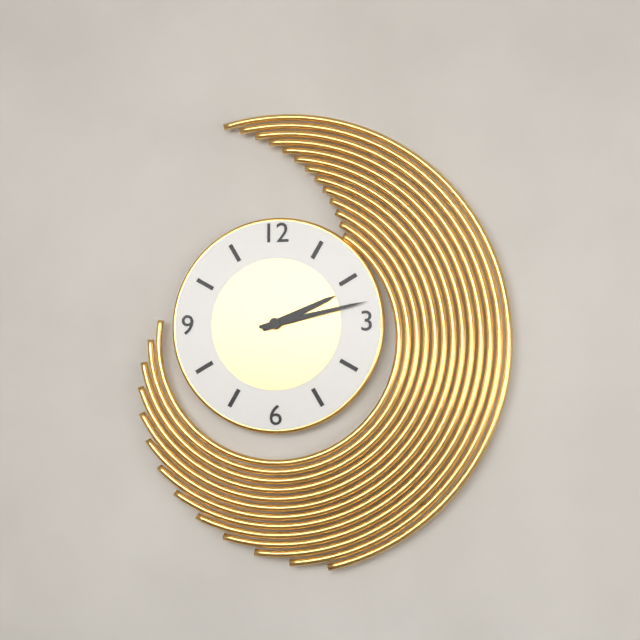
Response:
2h13
